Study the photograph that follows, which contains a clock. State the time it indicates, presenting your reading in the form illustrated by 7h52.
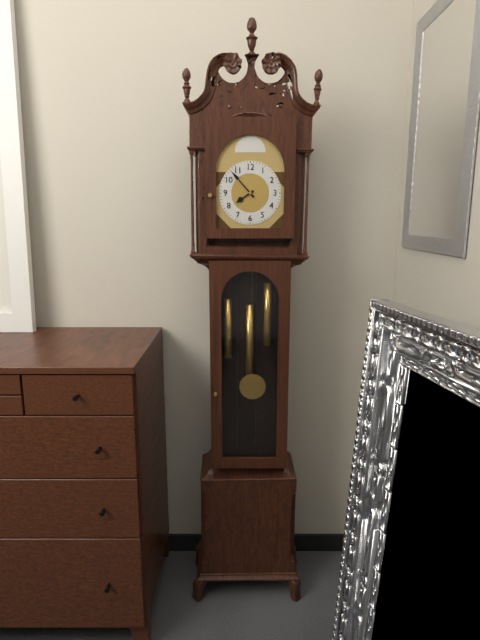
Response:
7h53
